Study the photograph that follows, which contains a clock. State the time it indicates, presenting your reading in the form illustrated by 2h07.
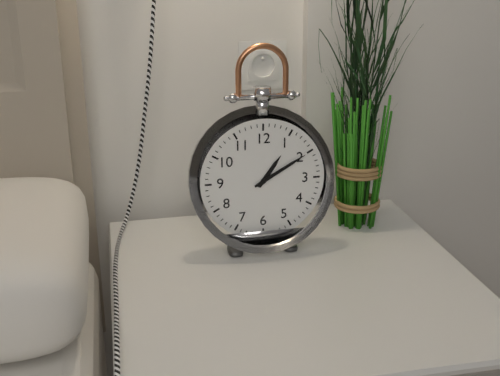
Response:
1h10
